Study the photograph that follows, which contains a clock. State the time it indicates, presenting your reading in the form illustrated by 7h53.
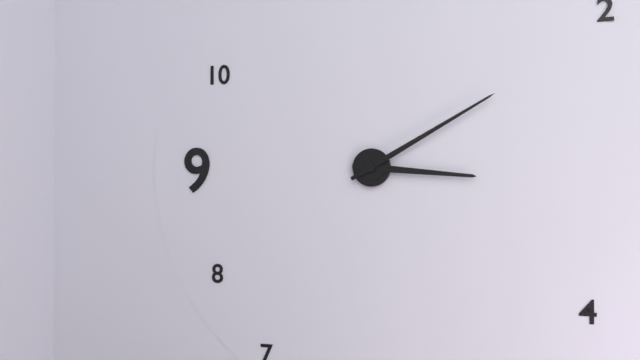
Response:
3h10
